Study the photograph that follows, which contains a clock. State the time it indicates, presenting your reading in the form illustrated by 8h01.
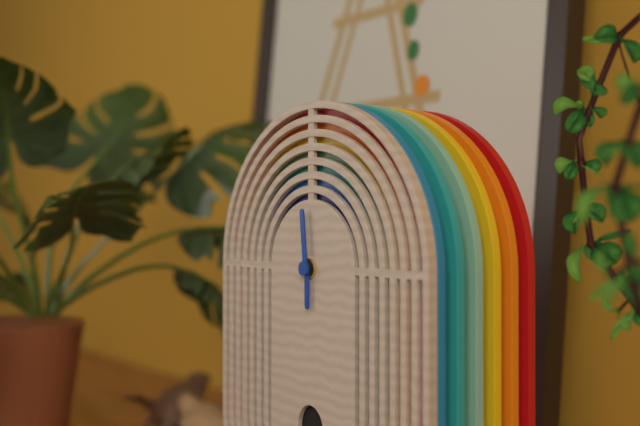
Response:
5h59
